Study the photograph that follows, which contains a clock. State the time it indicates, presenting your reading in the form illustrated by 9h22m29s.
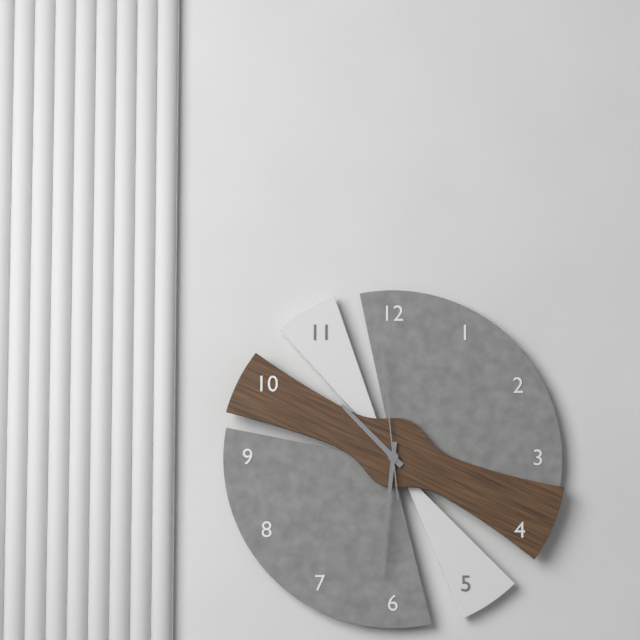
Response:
10h31m59s
